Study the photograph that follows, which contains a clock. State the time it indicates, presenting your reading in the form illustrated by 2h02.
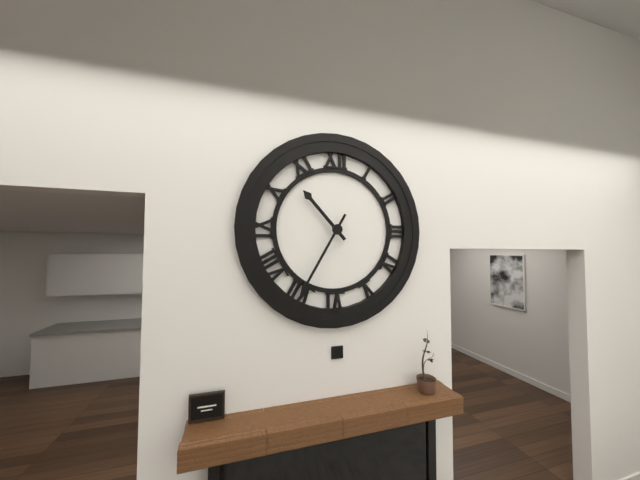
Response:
10h35
